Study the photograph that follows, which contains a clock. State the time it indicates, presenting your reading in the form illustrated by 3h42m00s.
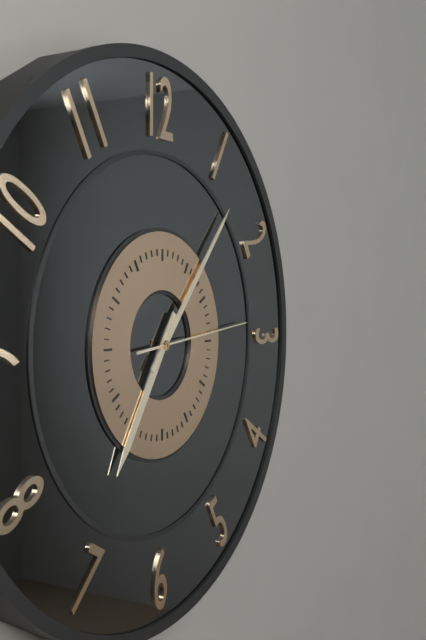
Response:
7h07m14s
